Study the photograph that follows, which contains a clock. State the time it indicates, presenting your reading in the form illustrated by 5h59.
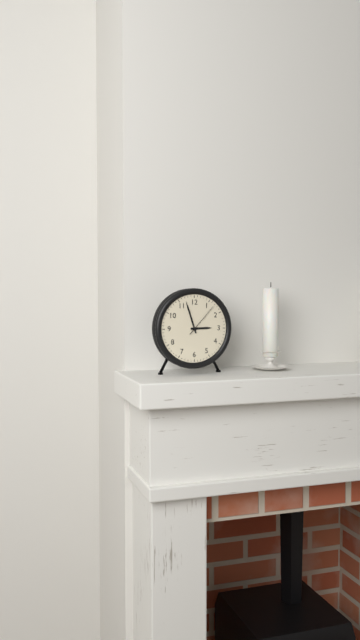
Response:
2h57
